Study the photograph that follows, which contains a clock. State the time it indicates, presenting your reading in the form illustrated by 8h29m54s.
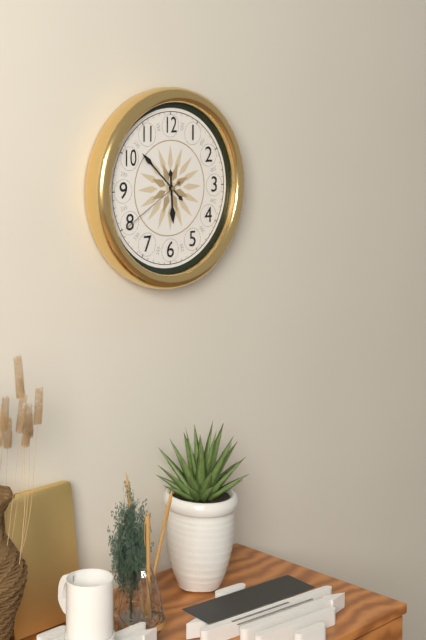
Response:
5h52m40s
